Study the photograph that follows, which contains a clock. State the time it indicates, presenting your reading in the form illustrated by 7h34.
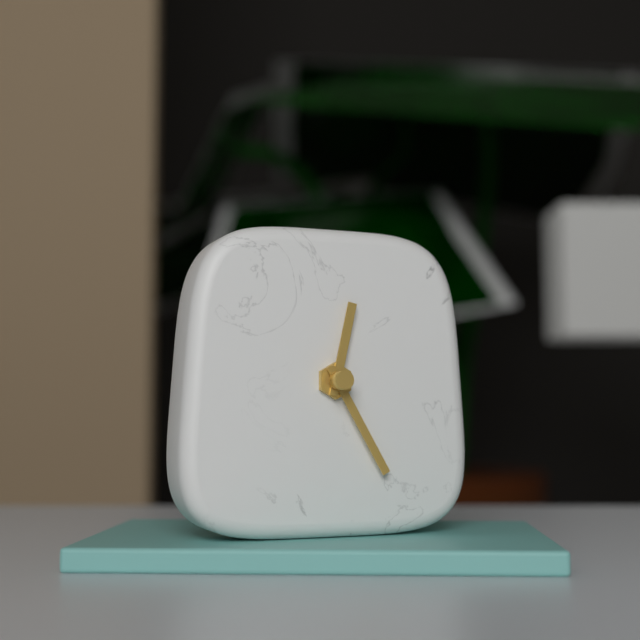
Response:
12h25
